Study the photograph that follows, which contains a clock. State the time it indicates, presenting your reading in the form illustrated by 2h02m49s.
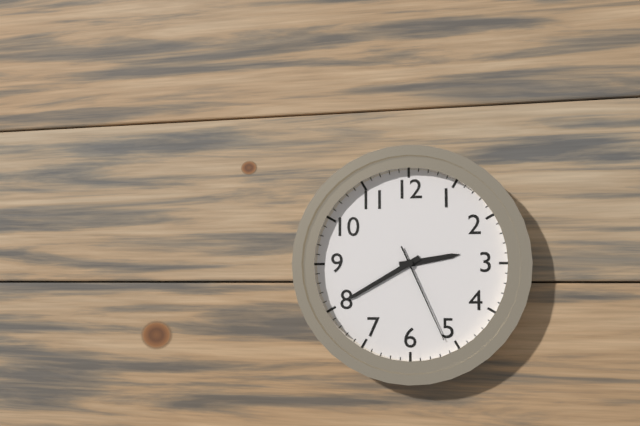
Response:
2h40m26s
